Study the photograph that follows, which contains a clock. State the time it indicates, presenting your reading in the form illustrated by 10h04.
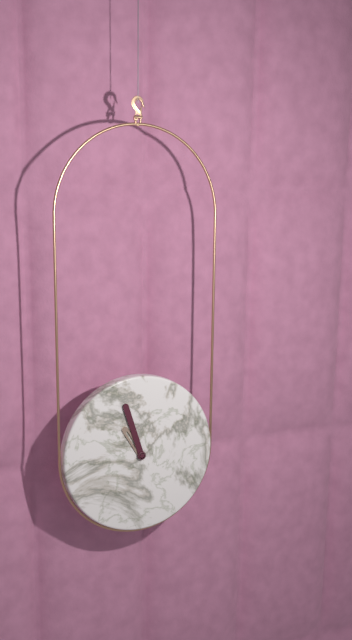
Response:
10h57
